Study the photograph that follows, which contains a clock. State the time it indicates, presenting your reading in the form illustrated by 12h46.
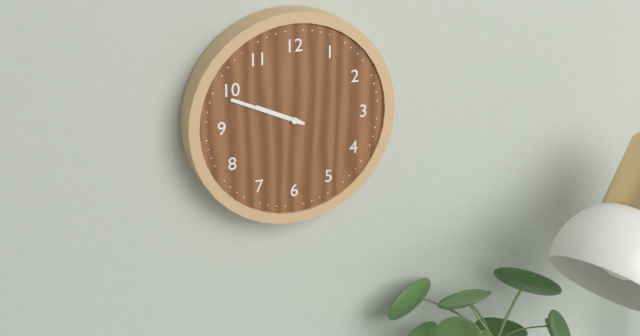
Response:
9h49
